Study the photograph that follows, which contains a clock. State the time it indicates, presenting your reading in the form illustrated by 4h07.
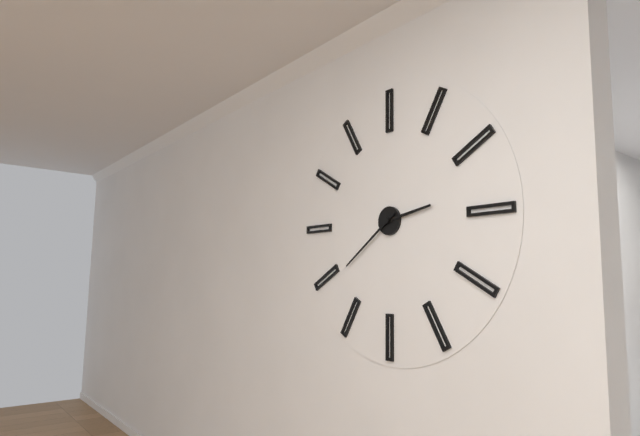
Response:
2h39
